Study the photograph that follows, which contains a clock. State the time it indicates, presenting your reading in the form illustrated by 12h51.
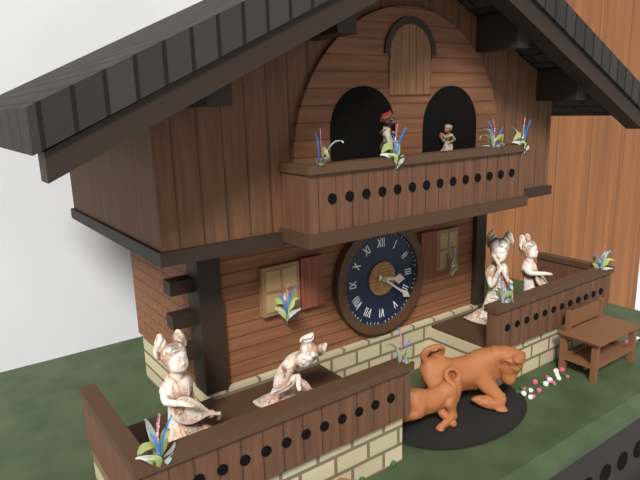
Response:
3h21
